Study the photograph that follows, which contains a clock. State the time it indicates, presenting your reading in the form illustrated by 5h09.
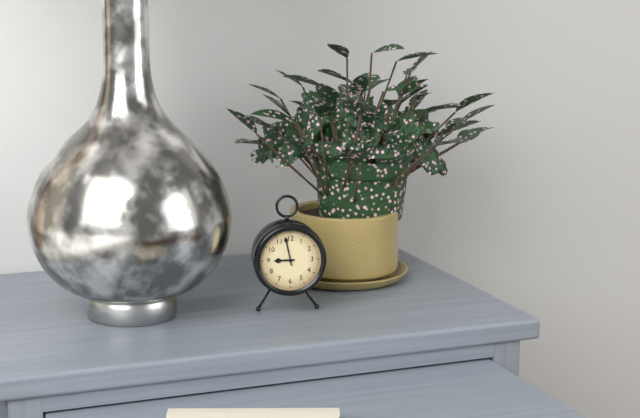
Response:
8h58
